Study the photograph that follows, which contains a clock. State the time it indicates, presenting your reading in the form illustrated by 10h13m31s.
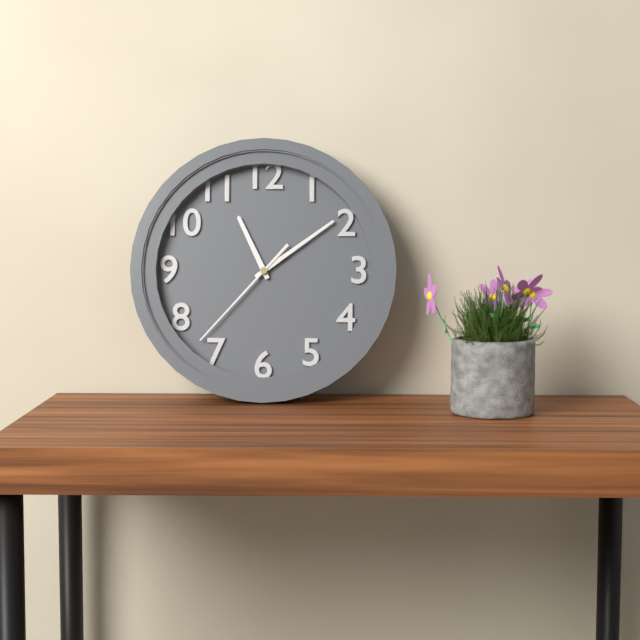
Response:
11h09m37s
